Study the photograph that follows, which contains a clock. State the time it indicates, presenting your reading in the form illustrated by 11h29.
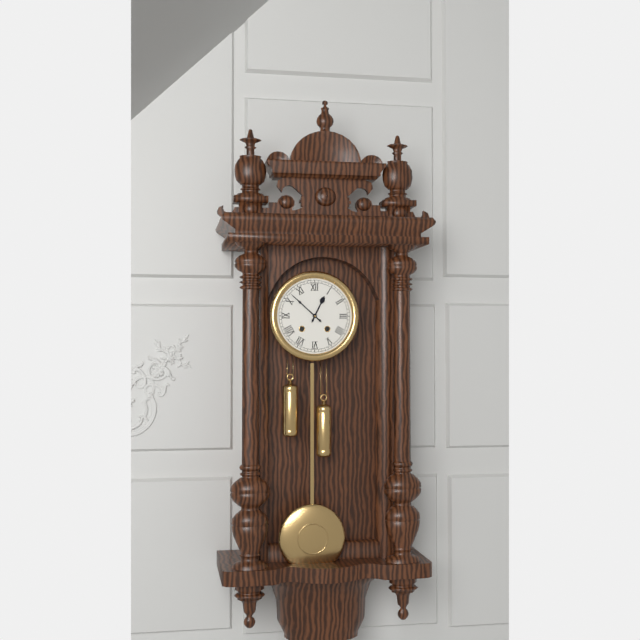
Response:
12h52
